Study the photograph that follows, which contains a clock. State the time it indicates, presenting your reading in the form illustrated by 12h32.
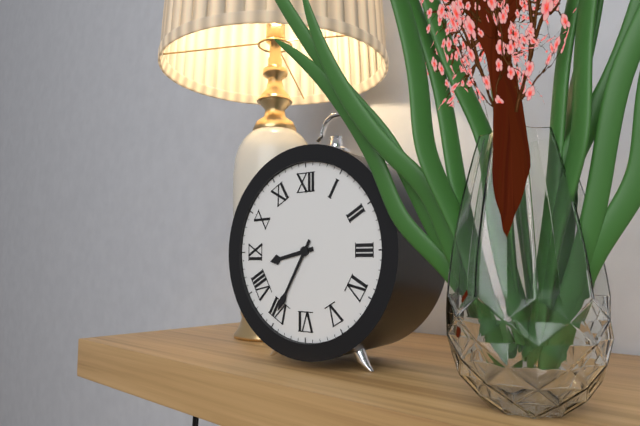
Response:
8h35
